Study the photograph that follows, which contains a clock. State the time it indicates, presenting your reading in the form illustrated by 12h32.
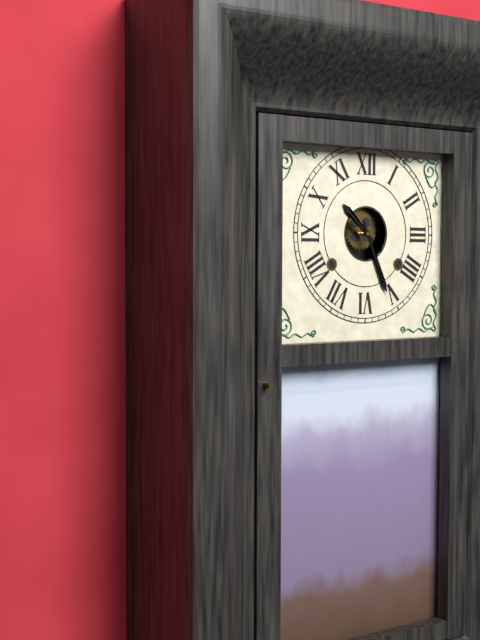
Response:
10h26
